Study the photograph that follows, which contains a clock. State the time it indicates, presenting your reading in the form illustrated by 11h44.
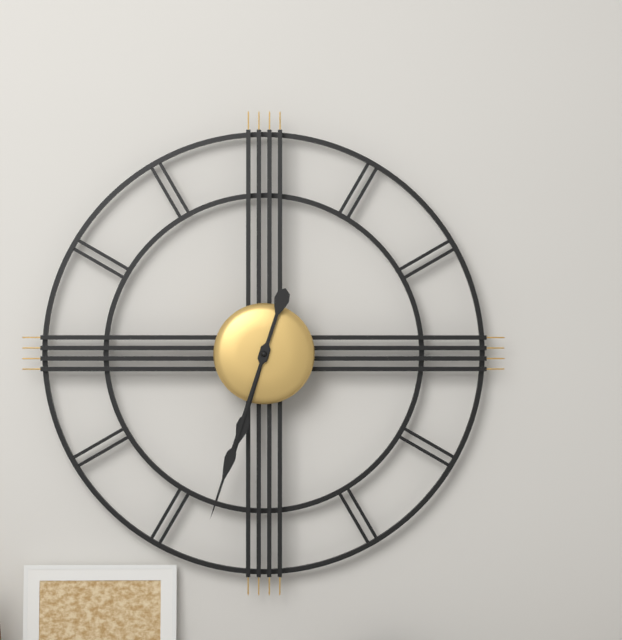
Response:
6h33
